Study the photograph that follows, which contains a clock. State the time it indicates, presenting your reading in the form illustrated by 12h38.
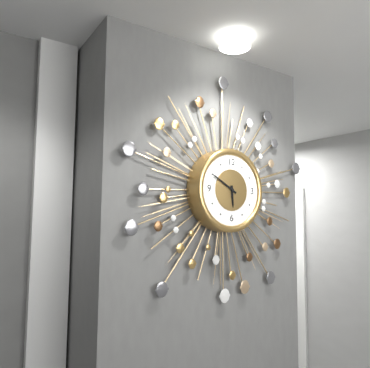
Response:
5h50
